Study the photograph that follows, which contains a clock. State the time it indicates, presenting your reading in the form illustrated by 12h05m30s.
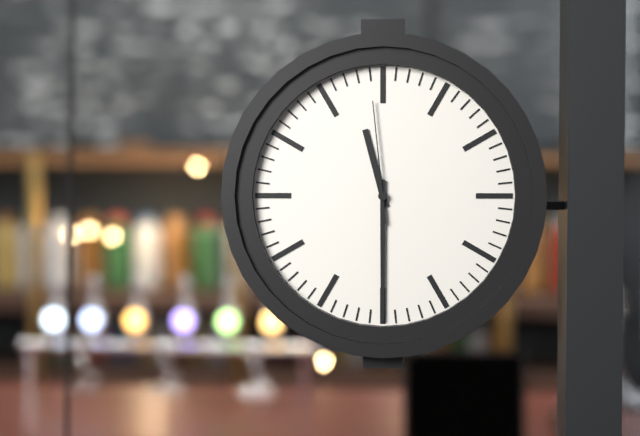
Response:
11h30m59s
